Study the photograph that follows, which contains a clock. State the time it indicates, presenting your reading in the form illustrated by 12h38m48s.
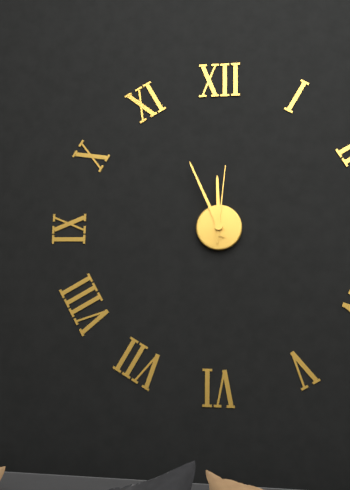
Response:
11h56m01s
